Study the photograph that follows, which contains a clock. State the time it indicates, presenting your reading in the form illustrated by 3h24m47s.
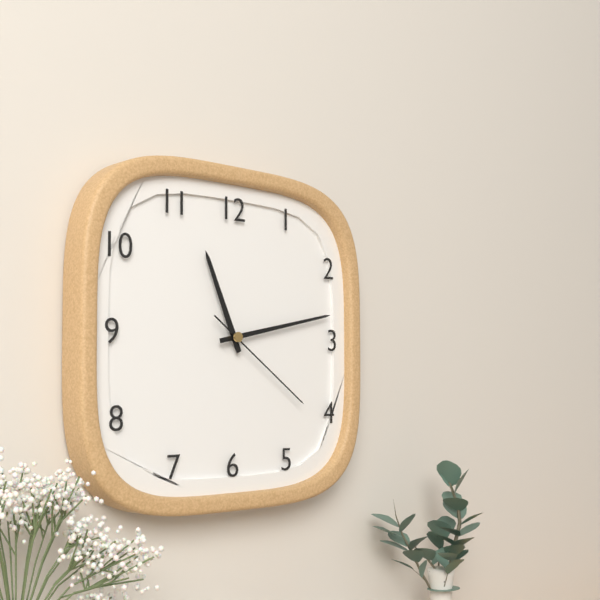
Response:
11h13m21s
